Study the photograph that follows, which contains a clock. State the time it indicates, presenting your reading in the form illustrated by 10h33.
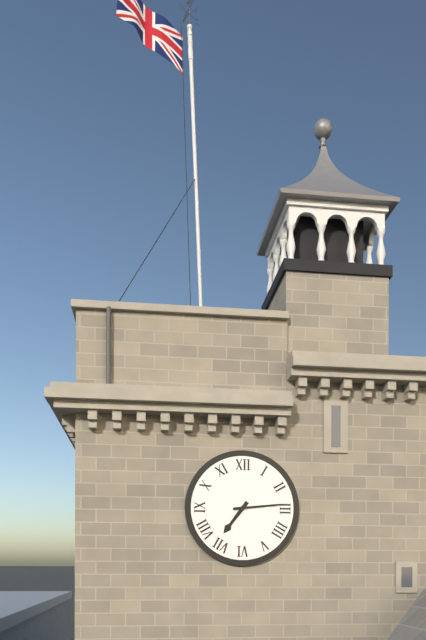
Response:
7h14
